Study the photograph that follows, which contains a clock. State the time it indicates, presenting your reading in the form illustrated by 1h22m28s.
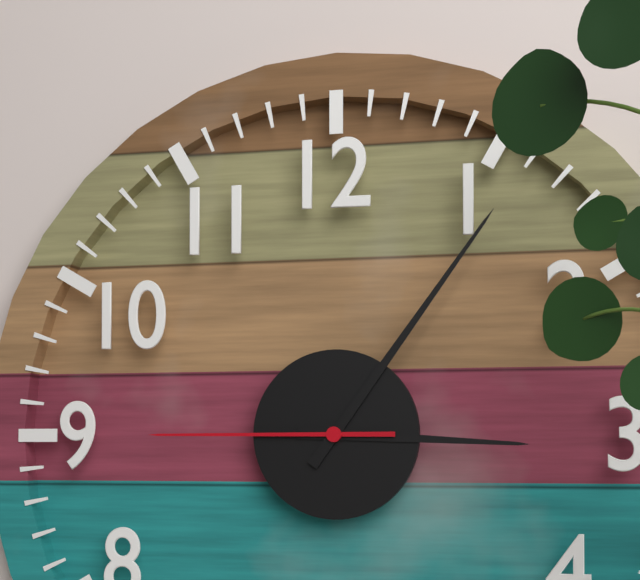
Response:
3h06m45s
